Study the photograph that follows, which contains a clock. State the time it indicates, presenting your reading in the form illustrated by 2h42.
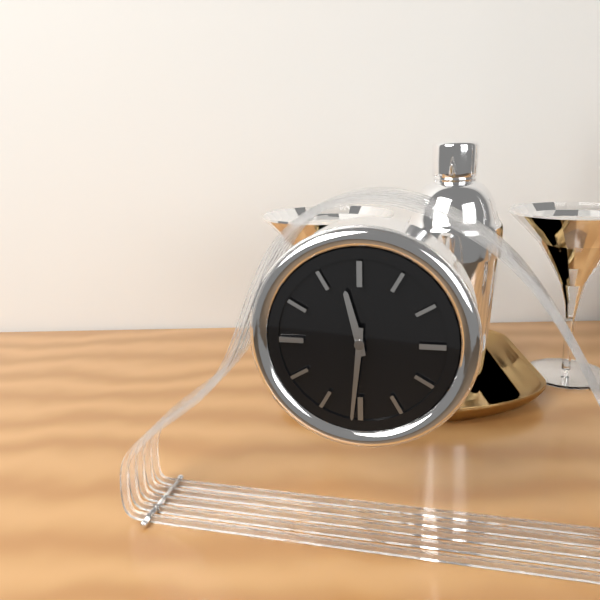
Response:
11h31
